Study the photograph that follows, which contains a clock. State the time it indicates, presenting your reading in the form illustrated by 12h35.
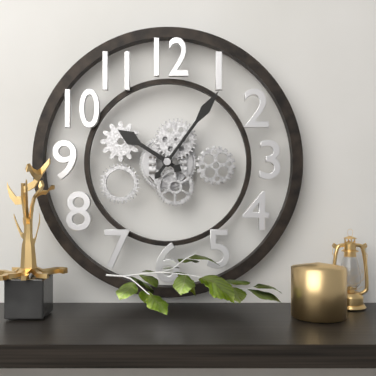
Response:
10h06
